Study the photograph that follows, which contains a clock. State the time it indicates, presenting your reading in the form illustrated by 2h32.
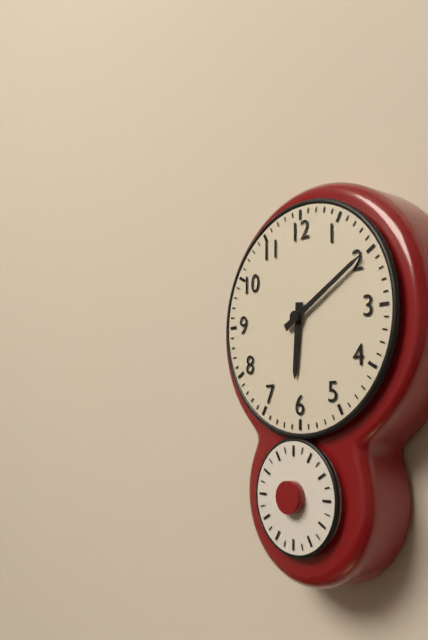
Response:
6h10
